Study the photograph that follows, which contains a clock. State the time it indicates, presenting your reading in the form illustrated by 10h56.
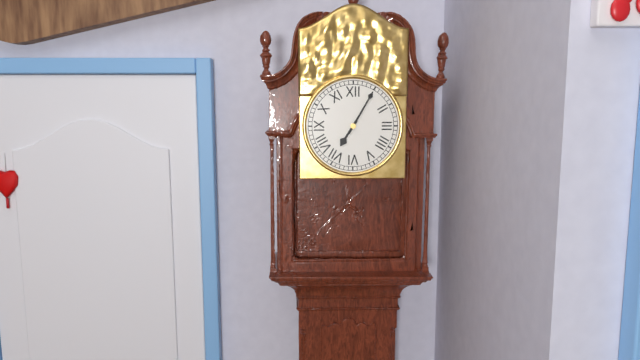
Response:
7h05
